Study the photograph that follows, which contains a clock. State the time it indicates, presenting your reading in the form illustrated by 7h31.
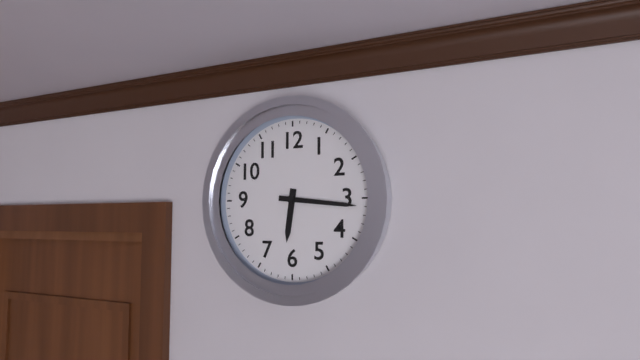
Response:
6h16
